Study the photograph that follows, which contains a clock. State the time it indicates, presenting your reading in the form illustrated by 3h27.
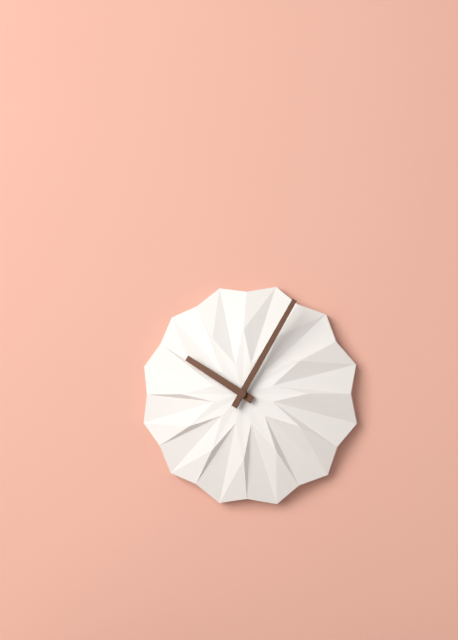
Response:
10h05
